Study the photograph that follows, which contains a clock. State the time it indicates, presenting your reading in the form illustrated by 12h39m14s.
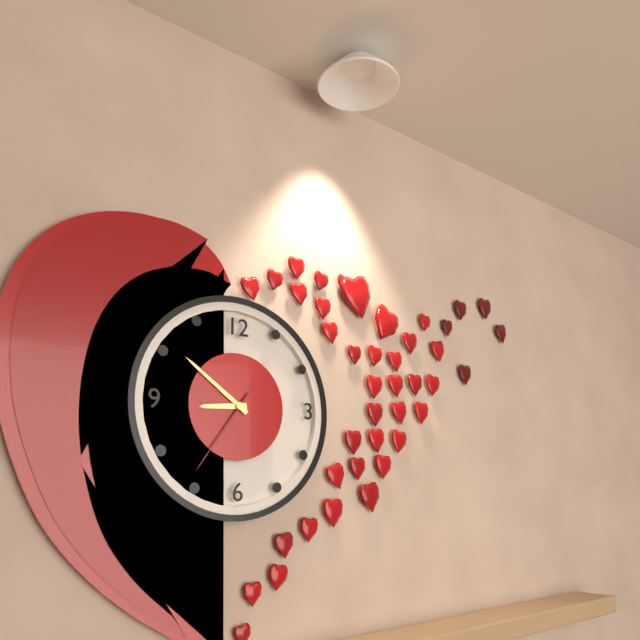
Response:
8h51m36s
